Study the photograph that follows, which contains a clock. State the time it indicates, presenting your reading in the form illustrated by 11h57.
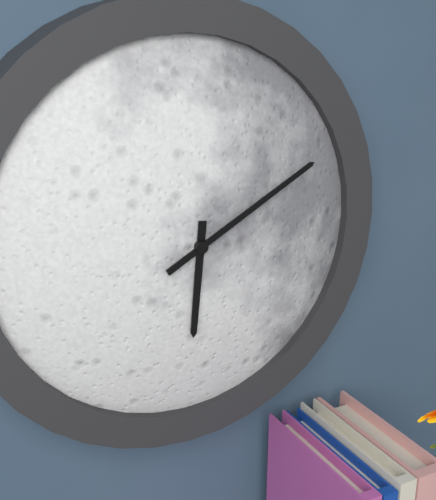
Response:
6h10
